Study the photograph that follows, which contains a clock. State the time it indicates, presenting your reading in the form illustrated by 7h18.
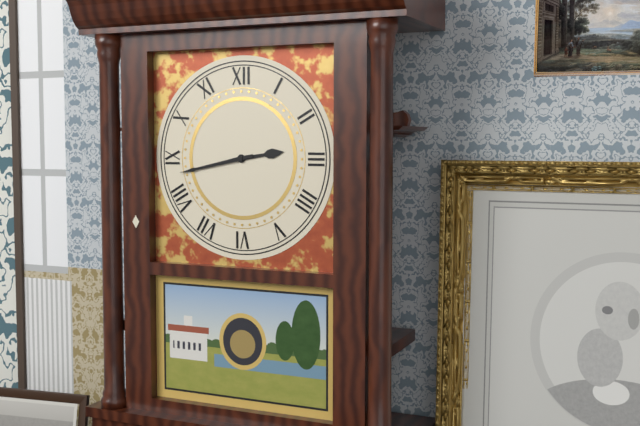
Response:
2h43
